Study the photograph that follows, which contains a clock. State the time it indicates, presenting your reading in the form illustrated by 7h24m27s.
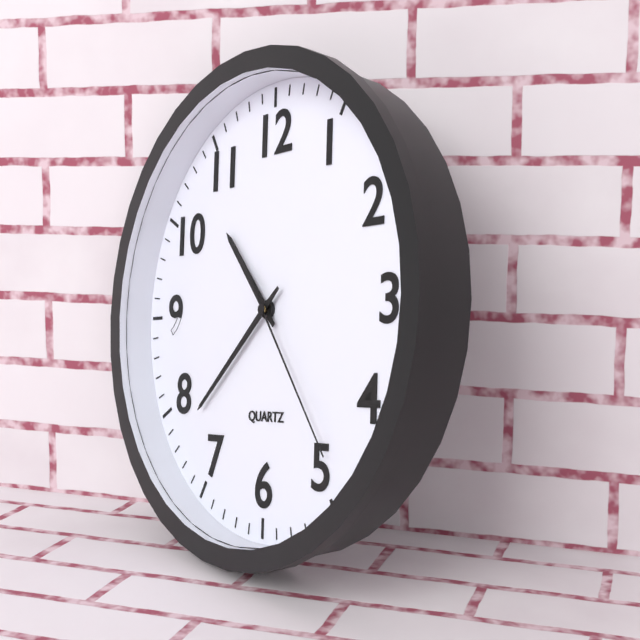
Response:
10h38m24s
